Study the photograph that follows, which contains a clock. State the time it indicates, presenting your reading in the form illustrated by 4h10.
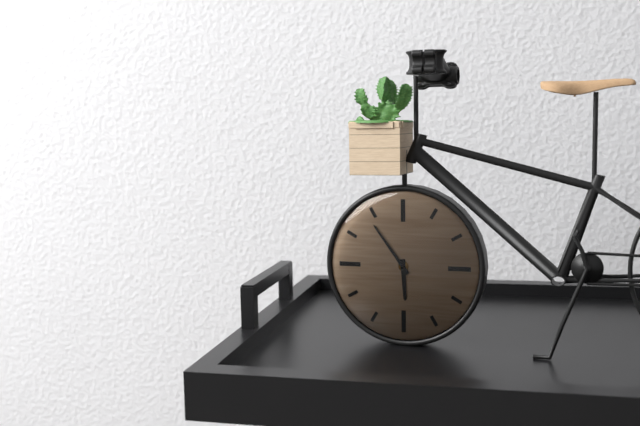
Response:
5h54
